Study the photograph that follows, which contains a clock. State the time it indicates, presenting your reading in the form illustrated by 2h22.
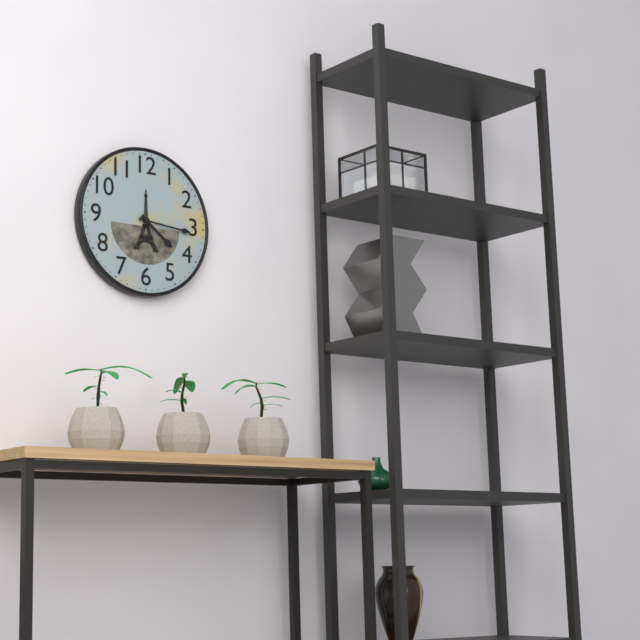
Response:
4h16
